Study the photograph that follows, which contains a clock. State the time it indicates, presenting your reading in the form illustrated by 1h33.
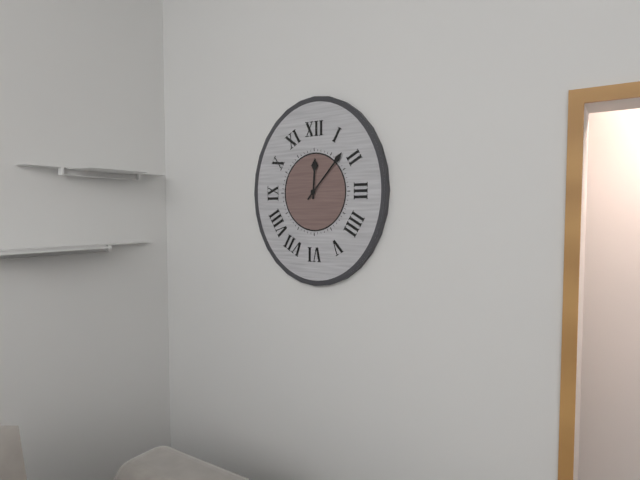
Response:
12h07
